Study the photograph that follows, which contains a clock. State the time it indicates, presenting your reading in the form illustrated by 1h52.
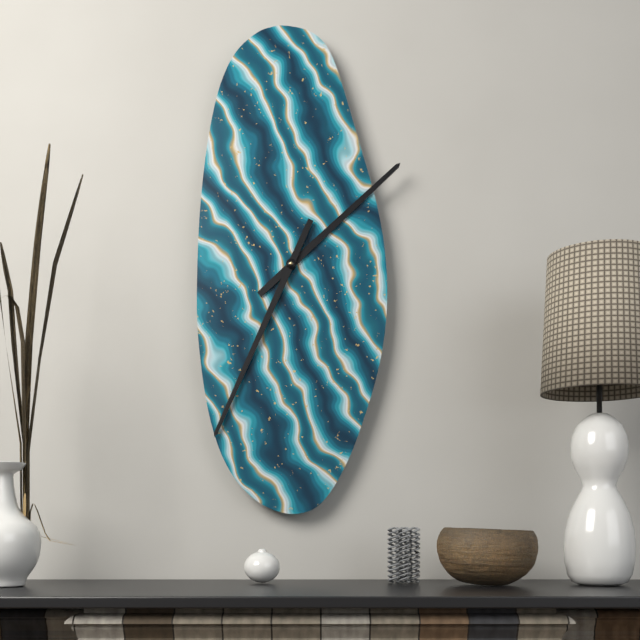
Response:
1h34
